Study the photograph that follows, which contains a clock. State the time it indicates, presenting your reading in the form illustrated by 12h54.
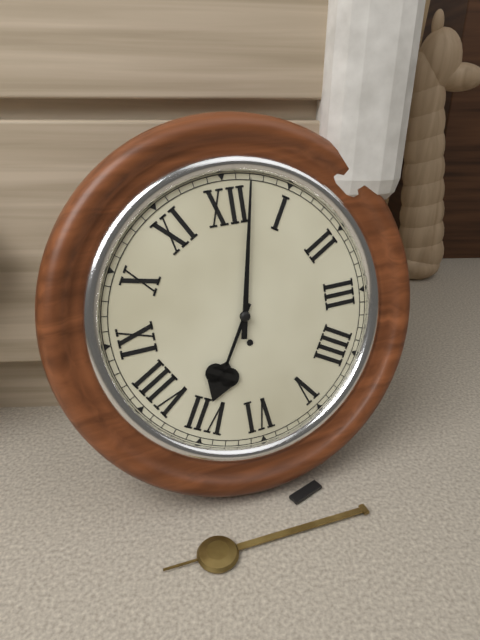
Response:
7h02
